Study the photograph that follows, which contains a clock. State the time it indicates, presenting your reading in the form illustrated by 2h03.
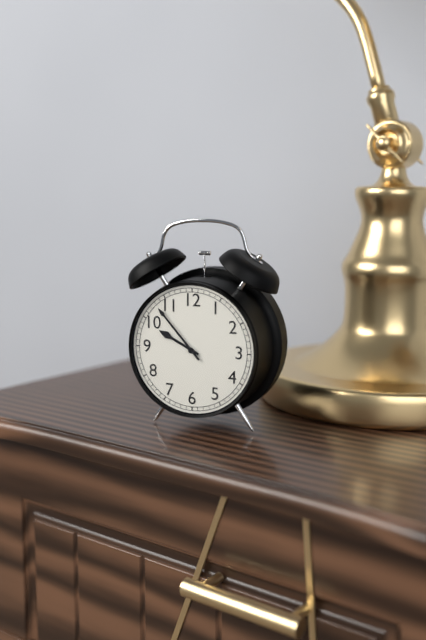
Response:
9h53
